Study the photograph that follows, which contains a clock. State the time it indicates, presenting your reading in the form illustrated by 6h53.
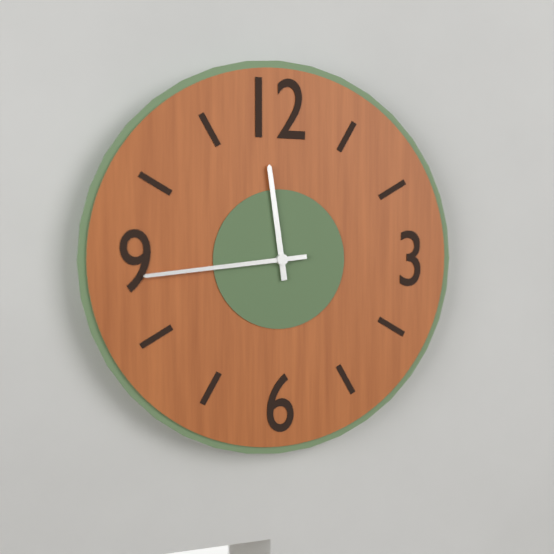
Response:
11h44
